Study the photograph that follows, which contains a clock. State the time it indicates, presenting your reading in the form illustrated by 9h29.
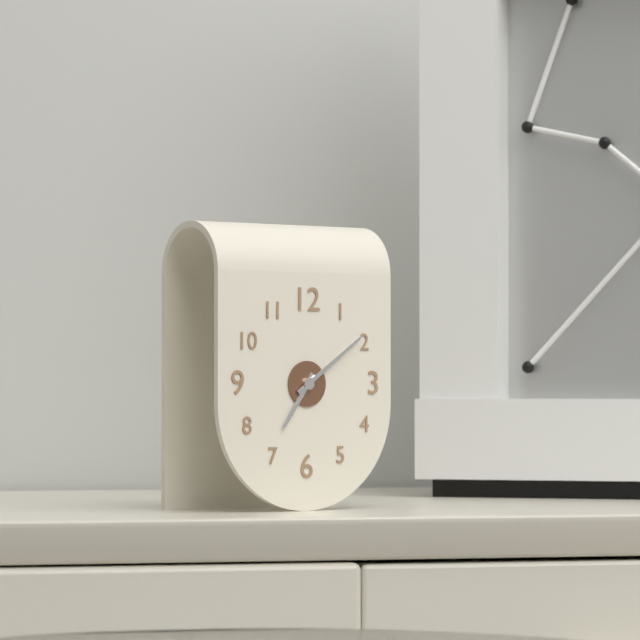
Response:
7h09
